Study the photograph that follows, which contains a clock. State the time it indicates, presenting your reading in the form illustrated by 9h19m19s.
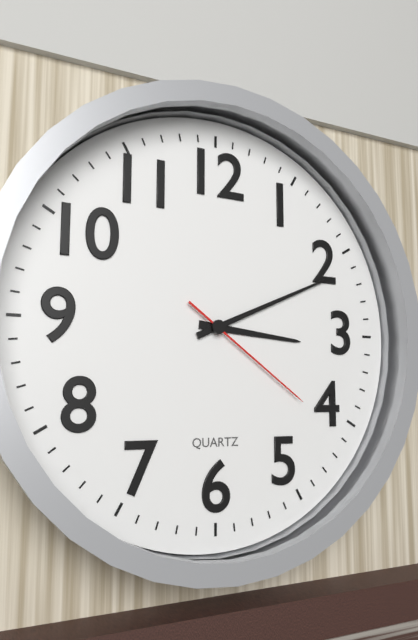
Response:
3h11m21s
